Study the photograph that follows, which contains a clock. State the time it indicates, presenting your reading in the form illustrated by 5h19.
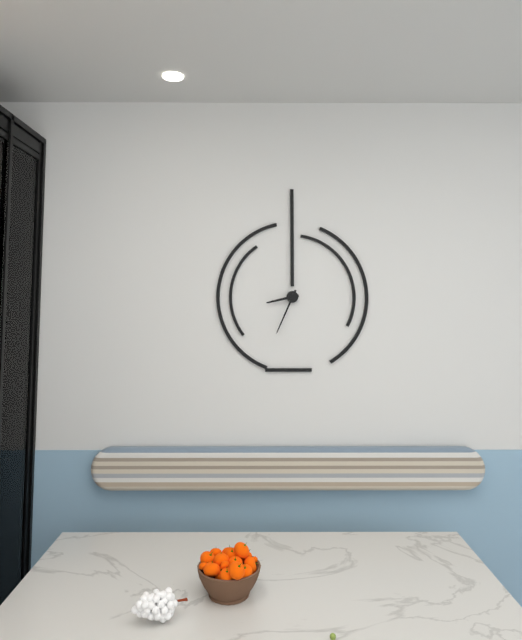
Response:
8h34
